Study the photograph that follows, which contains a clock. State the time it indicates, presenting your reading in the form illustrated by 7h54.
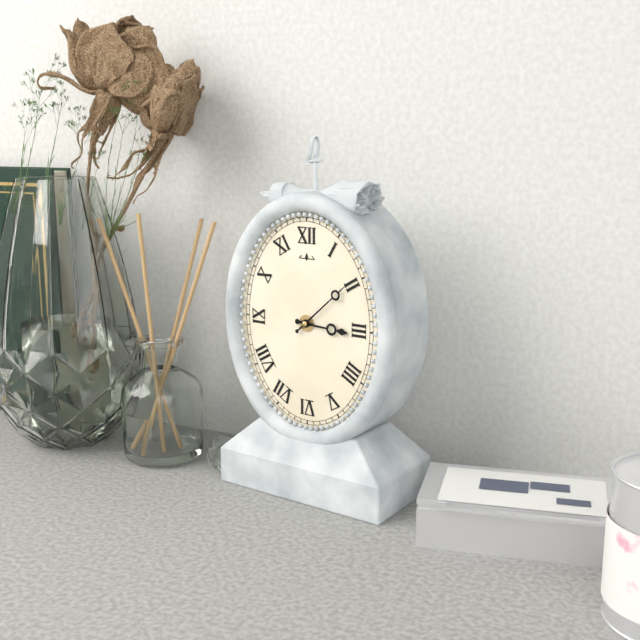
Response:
3h08
